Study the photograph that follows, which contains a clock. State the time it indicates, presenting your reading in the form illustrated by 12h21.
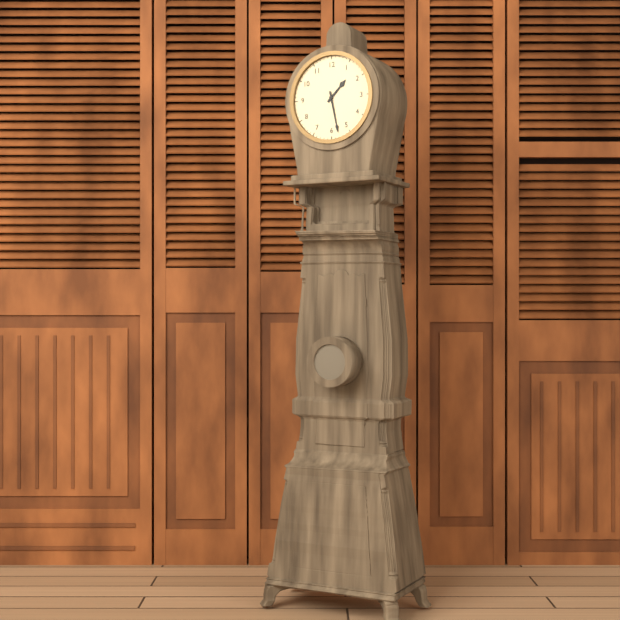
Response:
1h28
